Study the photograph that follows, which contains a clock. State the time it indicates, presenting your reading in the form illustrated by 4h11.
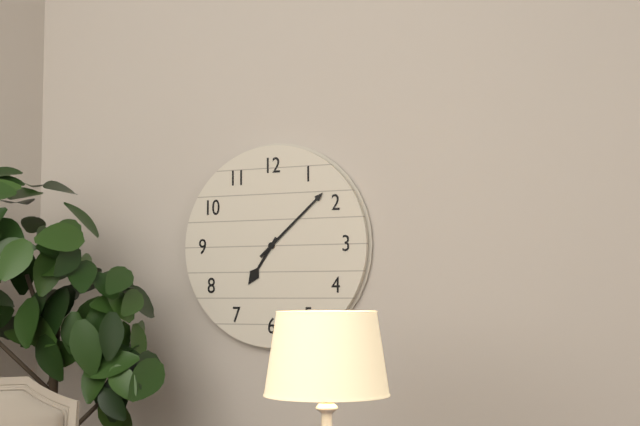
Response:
7h08
